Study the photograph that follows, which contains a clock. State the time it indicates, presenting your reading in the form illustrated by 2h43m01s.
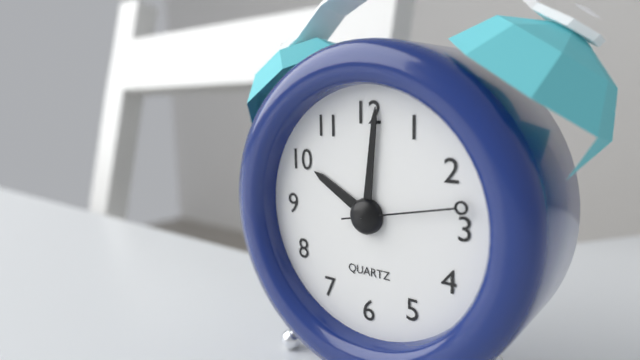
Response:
10h01m13s
